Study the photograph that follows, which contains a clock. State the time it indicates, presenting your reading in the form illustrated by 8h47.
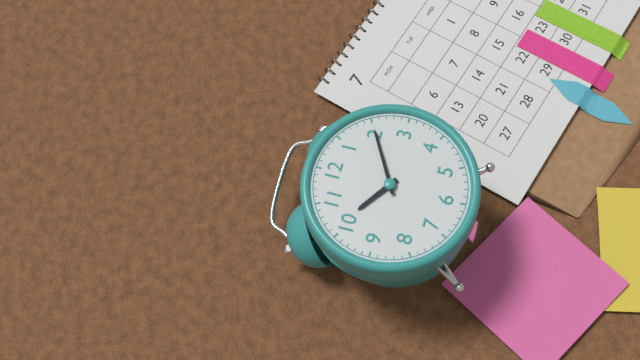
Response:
10h10
